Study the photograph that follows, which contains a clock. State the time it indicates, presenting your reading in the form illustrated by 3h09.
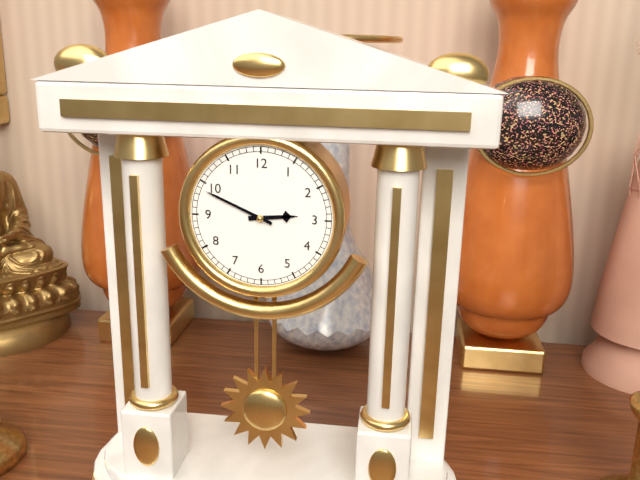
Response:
2h49
